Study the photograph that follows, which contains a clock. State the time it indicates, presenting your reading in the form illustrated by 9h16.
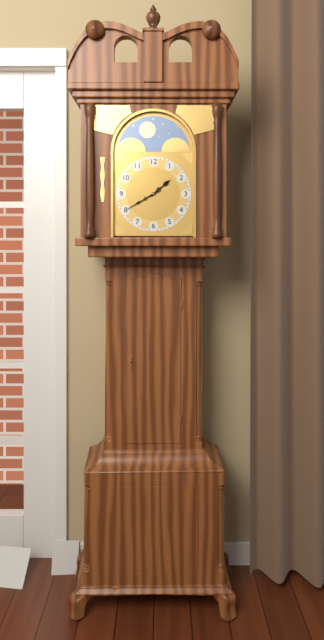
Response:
1h40
